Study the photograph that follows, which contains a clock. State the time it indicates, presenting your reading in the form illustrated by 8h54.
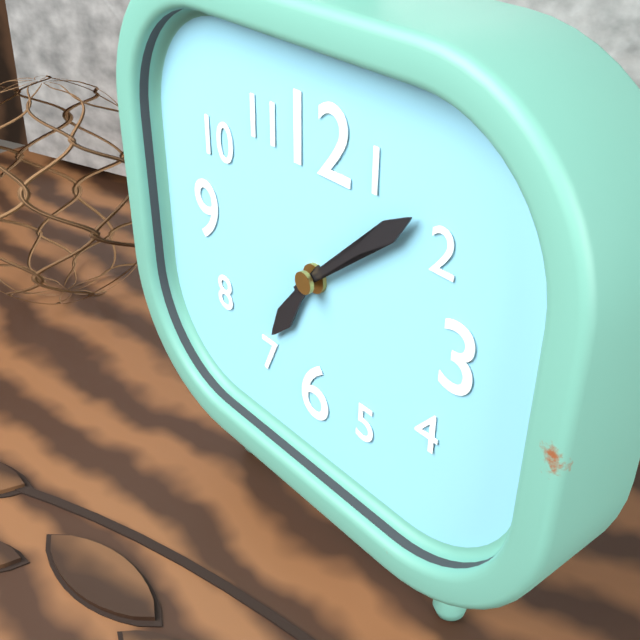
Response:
7h08
